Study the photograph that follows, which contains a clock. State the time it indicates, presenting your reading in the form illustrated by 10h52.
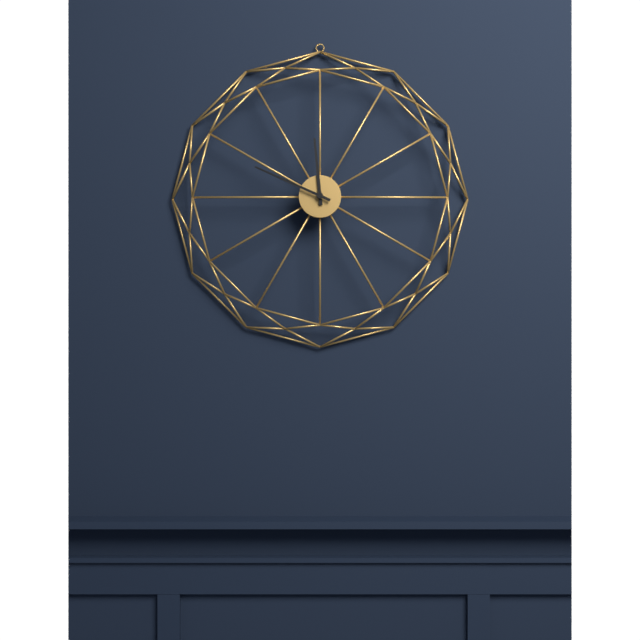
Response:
11h49
